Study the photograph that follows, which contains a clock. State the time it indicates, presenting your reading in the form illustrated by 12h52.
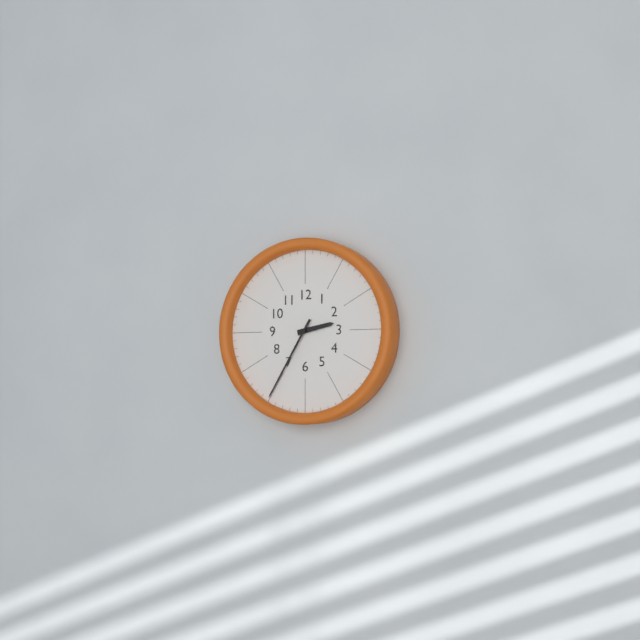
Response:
2h35
